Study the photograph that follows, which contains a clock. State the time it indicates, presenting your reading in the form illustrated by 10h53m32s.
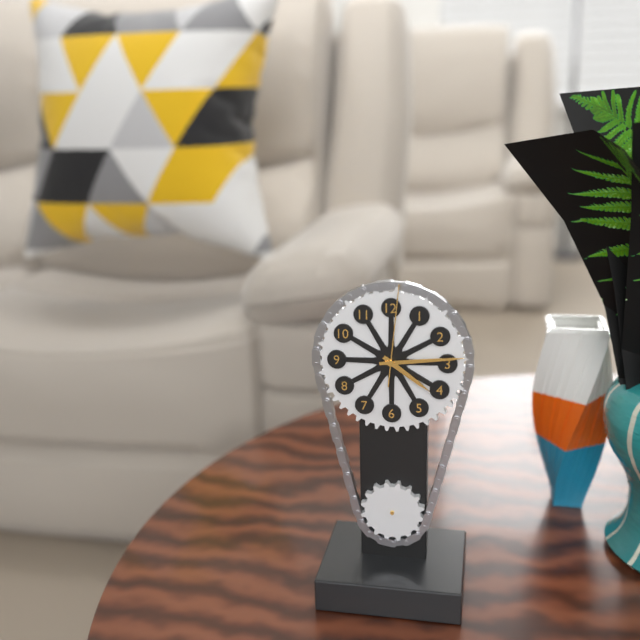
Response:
4h14m01s
